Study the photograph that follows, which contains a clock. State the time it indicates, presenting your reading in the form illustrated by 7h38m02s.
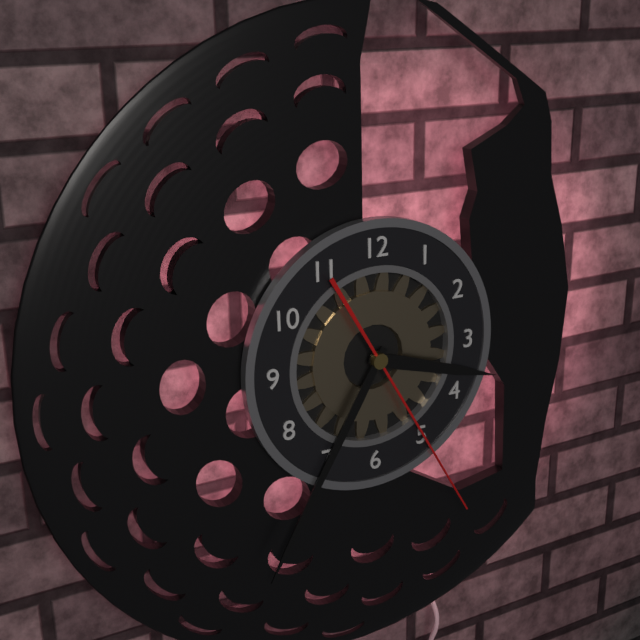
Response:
3h35m25s
